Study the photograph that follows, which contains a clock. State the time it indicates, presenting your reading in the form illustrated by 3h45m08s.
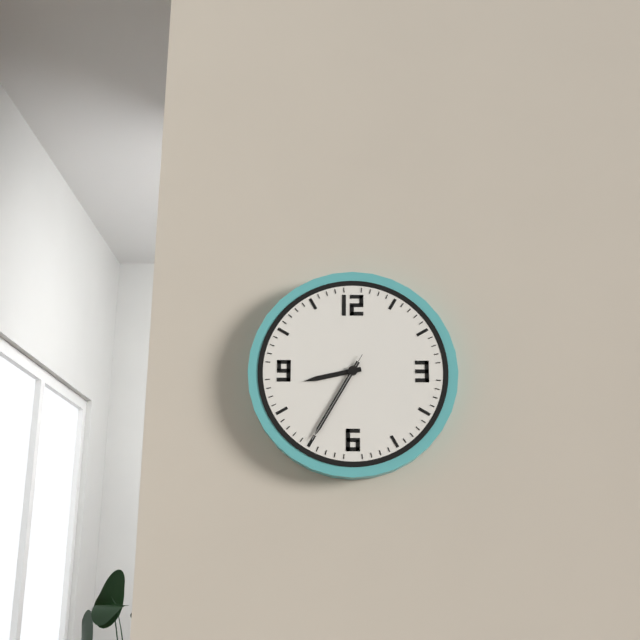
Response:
8h35m35s
